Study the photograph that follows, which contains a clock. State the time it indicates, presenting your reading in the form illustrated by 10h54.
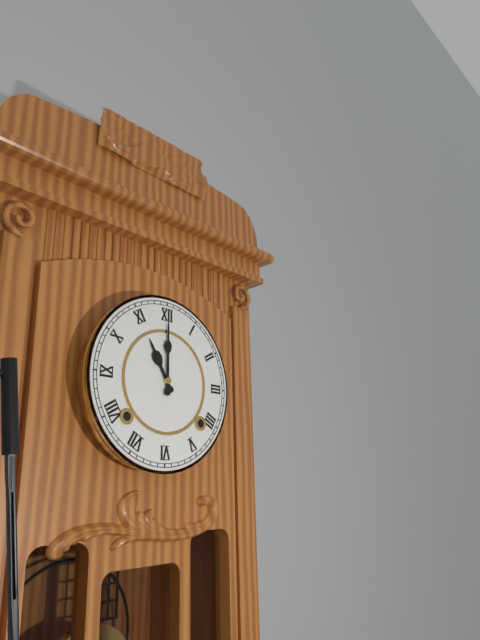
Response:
11h00
